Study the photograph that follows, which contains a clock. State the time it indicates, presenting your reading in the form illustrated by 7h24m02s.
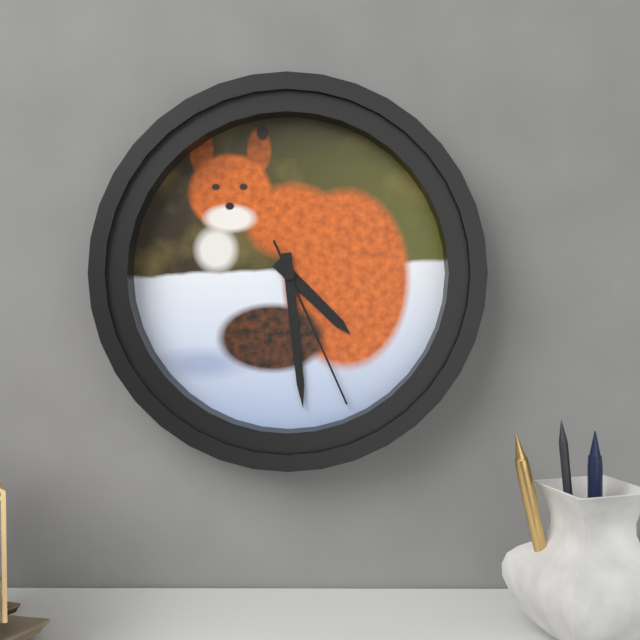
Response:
4h29m26s
